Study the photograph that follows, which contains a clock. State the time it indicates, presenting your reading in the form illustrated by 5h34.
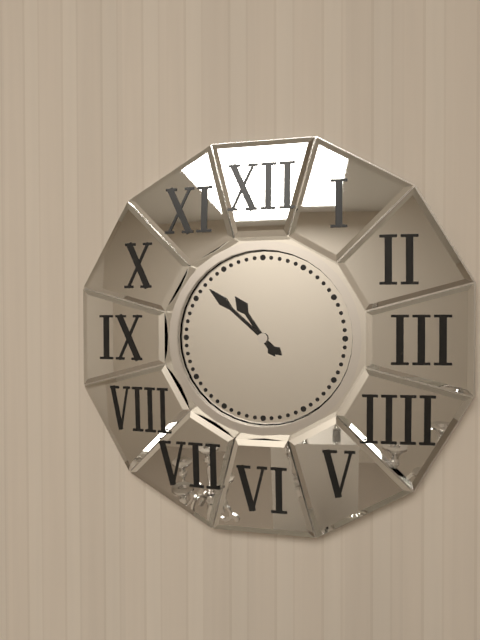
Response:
10h52
